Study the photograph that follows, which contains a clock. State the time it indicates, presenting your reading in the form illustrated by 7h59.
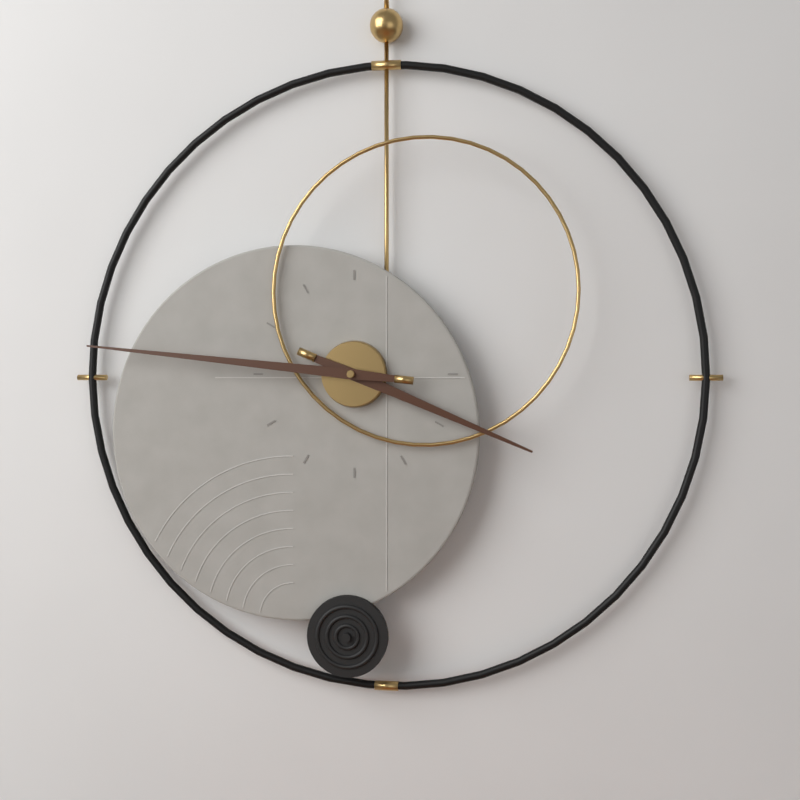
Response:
3h46
